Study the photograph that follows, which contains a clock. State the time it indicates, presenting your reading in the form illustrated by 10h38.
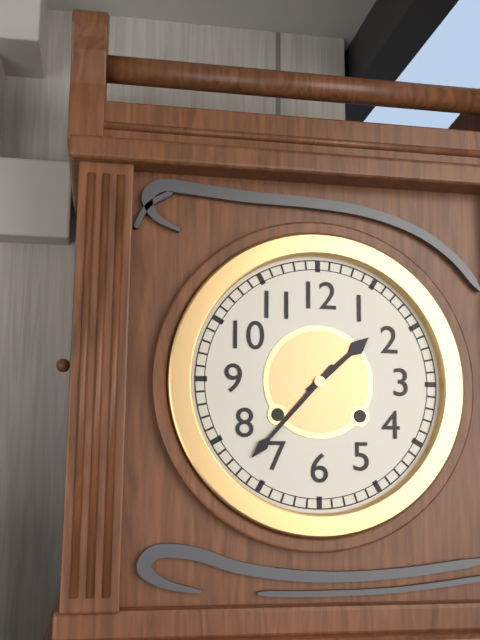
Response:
1h37
